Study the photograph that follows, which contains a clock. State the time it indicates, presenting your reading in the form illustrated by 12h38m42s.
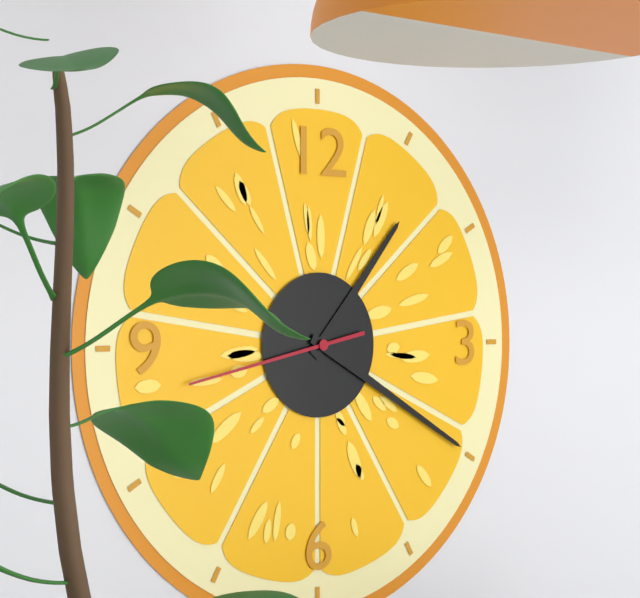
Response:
1h20m43s
